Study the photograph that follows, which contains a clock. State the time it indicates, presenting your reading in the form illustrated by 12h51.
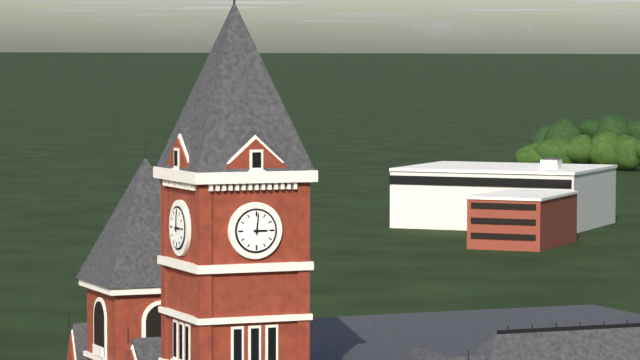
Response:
3h01
